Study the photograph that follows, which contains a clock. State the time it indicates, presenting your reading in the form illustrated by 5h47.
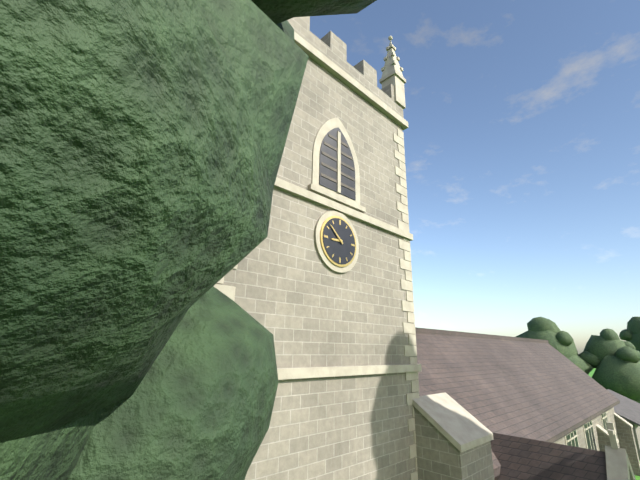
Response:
8h52
